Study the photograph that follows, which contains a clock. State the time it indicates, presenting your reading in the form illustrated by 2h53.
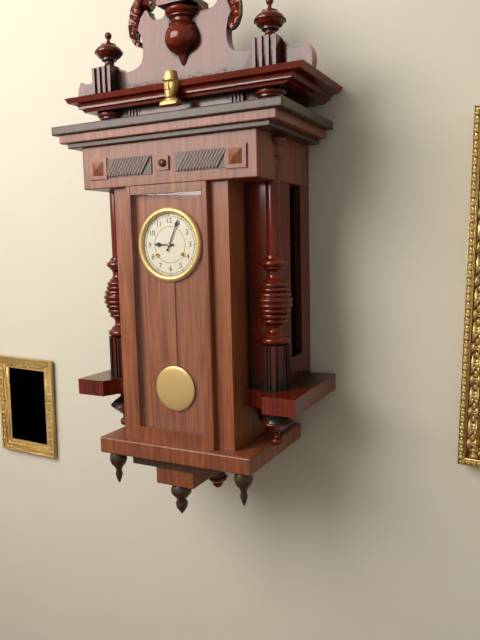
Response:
9h04
